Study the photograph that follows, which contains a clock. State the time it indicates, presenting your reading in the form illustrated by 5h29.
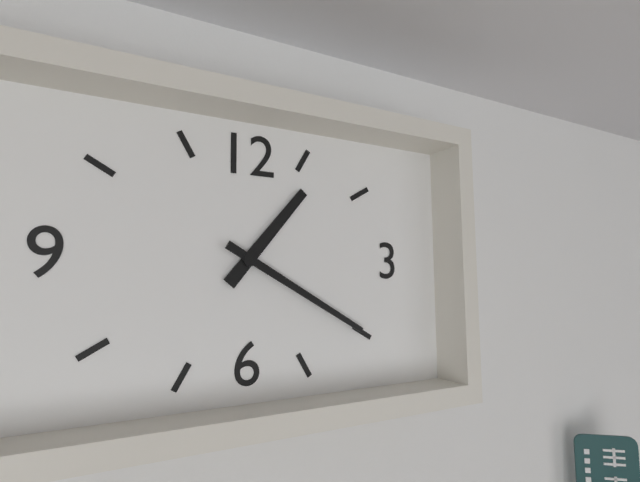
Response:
1h20
